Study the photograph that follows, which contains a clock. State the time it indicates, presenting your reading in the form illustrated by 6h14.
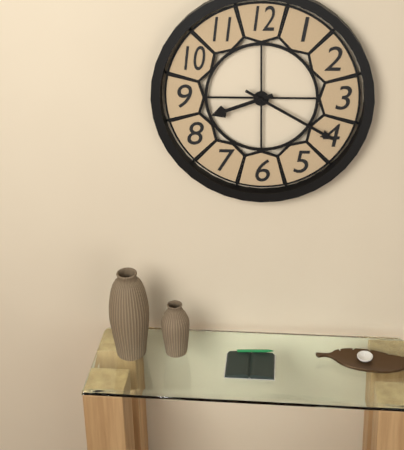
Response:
8h20
